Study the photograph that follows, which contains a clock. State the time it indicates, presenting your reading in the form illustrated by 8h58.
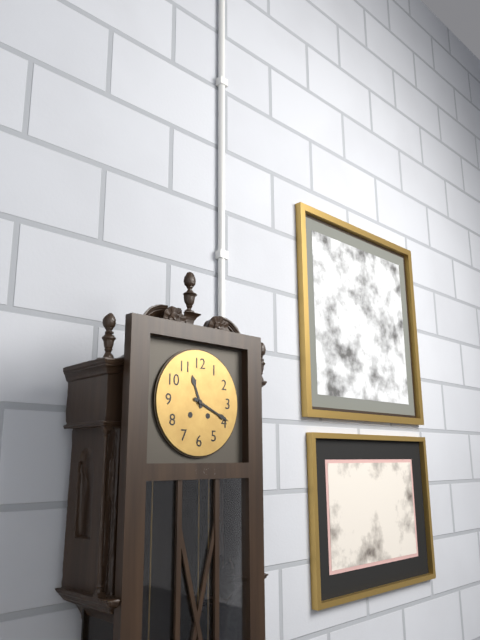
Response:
11h19
